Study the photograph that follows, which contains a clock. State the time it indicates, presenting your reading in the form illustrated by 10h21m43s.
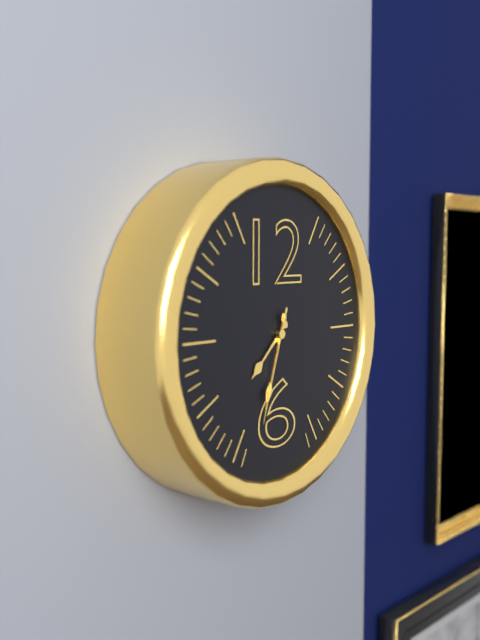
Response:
7h33m33s
